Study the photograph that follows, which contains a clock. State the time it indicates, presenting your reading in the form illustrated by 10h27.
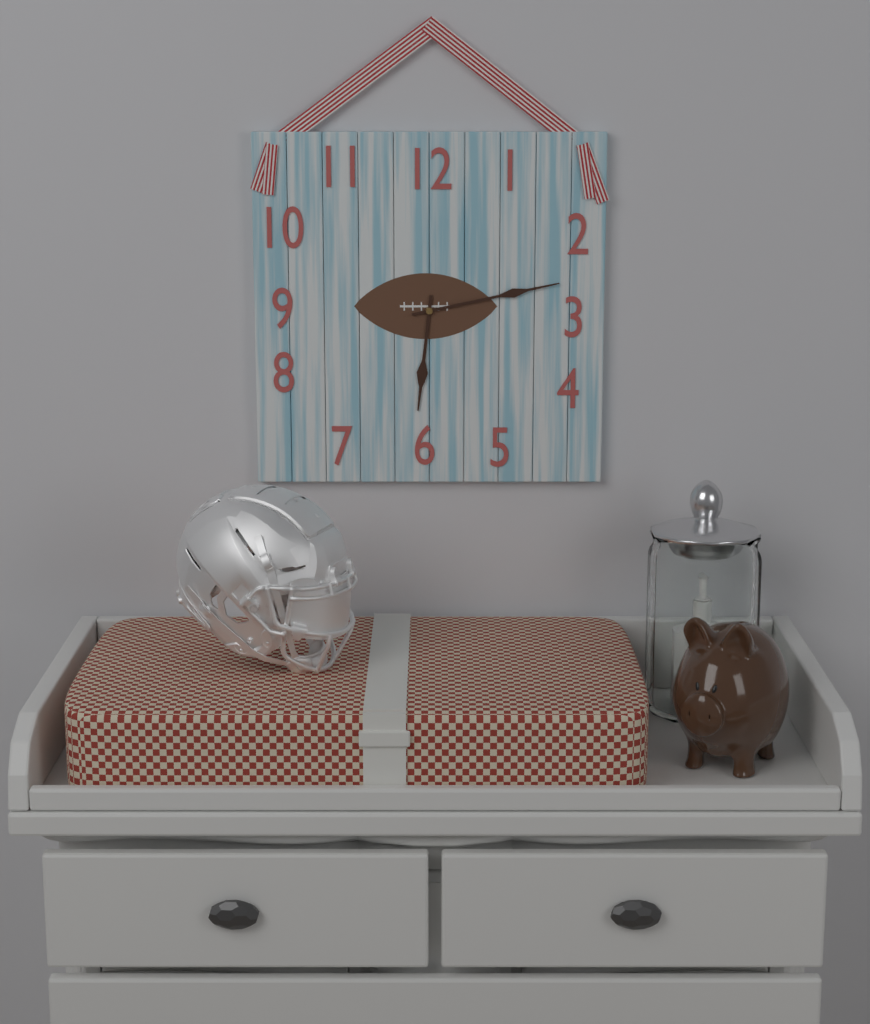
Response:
6h13
